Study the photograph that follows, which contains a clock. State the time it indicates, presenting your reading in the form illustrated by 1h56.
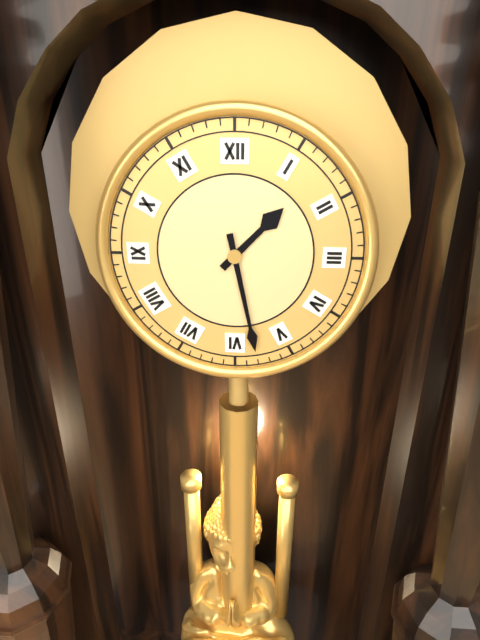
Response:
1h28
